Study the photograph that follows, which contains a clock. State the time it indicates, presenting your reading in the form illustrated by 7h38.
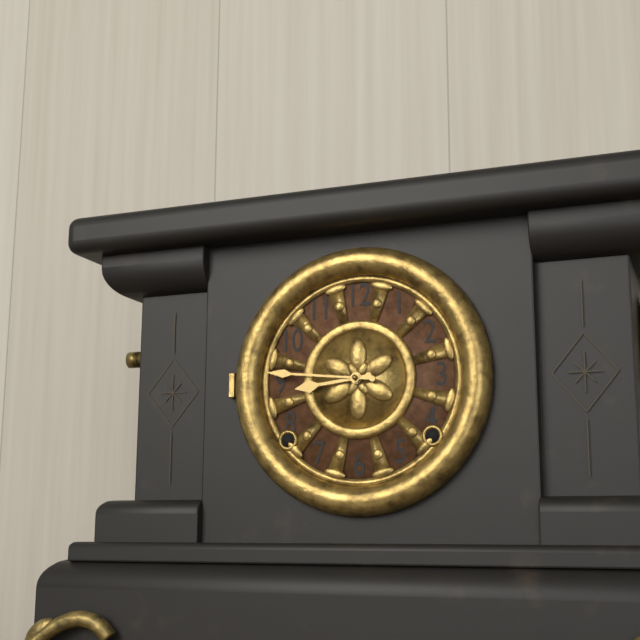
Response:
8h46
